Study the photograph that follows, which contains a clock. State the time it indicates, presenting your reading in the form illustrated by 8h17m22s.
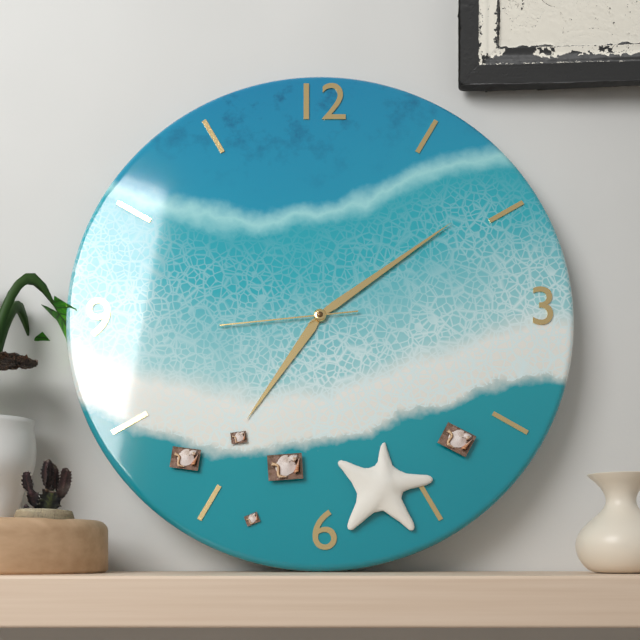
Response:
7h09m44s
